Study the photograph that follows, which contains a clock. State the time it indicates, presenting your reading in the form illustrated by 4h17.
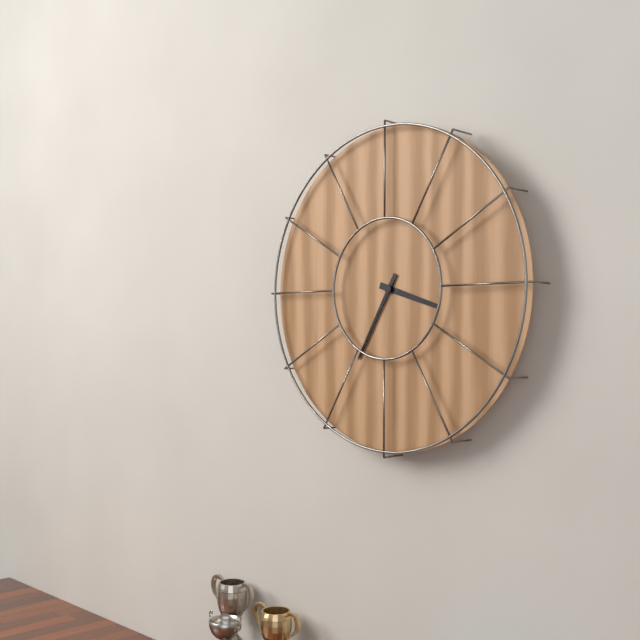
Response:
3h35
